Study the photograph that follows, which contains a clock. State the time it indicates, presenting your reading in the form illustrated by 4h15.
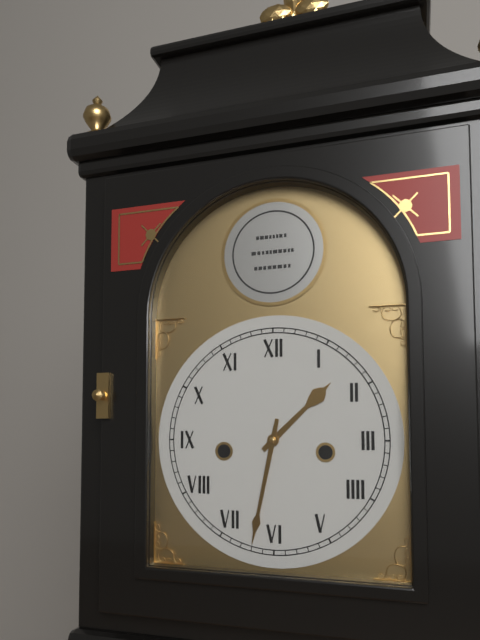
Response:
1h32
